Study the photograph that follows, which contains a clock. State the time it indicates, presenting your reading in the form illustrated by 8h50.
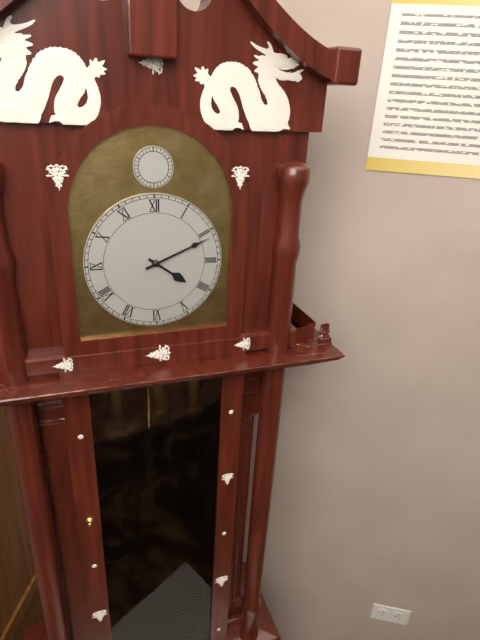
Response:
4h11
